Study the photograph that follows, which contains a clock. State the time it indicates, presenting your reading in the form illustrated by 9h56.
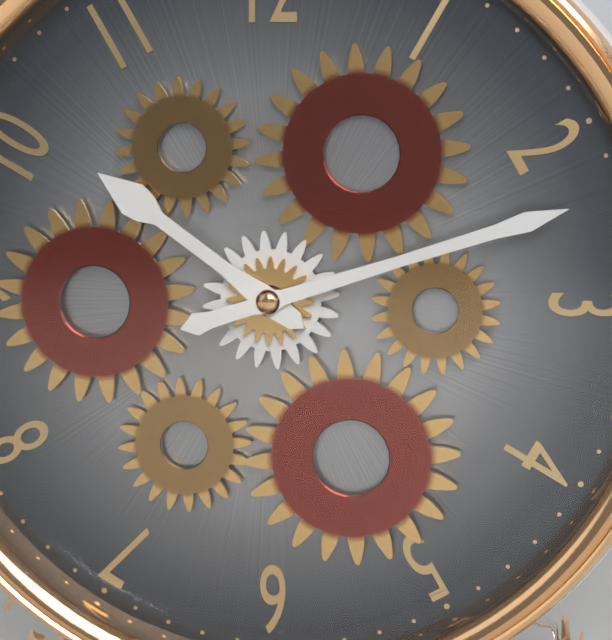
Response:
10h12
